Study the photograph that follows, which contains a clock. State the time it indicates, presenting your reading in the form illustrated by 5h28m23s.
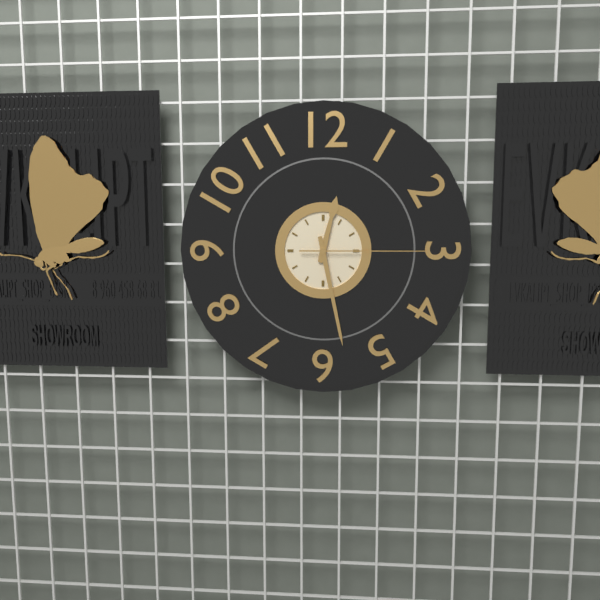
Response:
12h28m15s
